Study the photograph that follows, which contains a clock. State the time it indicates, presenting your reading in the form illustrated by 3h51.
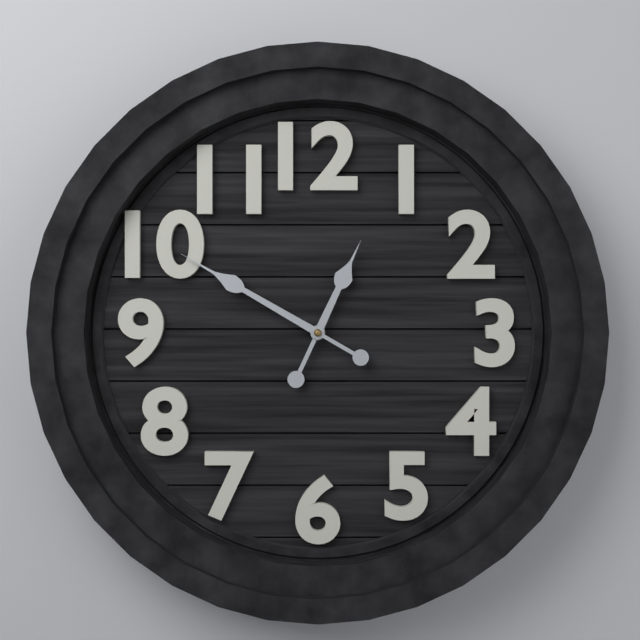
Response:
12h50
